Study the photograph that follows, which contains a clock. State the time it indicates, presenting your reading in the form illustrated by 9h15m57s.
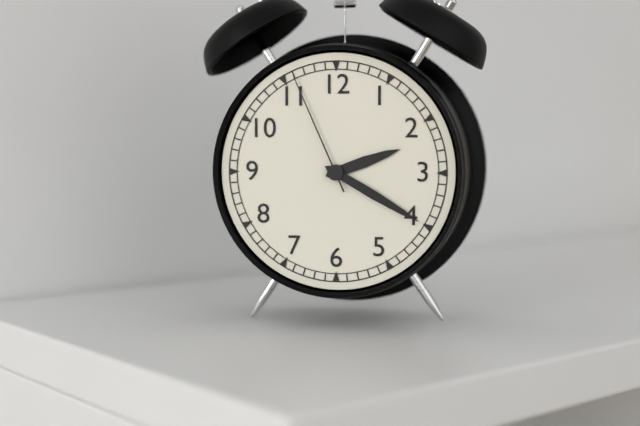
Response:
2h20m56s
